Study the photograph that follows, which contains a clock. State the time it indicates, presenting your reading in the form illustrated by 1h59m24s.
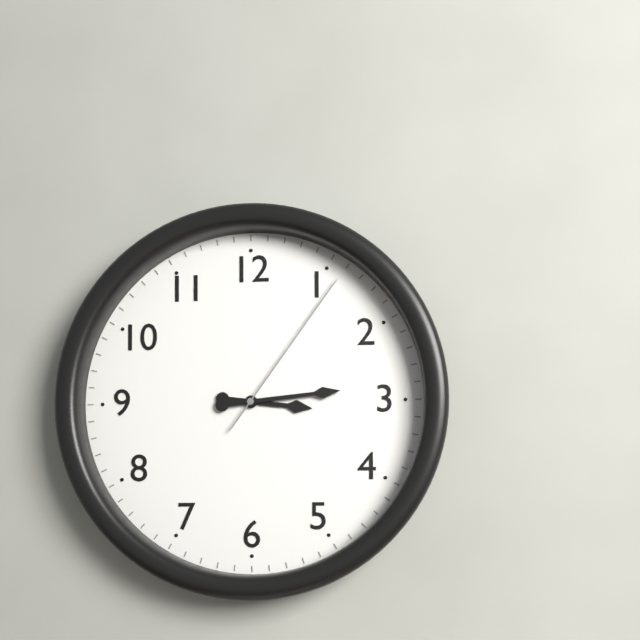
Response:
3h14m06s
